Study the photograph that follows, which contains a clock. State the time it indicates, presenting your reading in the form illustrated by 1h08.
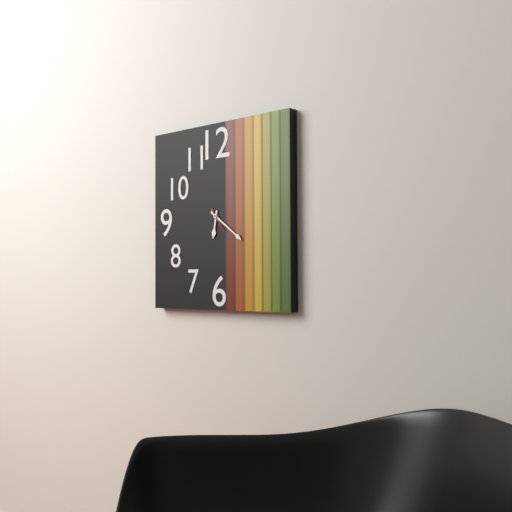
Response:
6h21
